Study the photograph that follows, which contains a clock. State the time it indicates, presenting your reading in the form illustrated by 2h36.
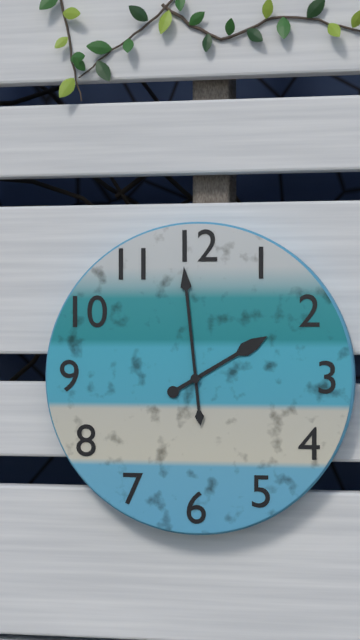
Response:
1h59
